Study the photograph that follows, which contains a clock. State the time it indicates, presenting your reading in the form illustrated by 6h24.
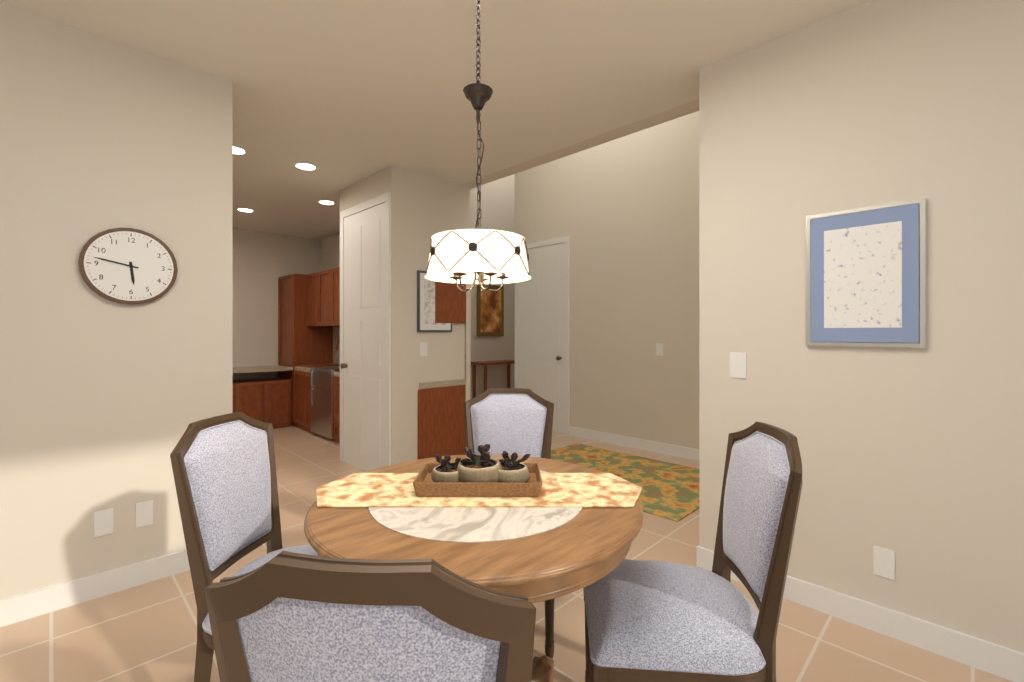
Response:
5h47
